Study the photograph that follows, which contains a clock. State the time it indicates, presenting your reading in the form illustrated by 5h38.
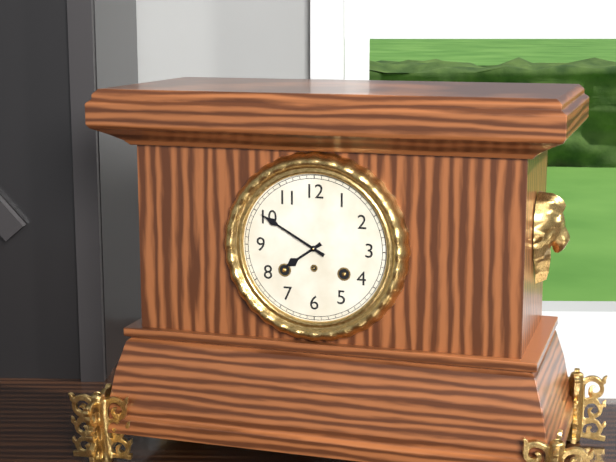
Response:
7h50
